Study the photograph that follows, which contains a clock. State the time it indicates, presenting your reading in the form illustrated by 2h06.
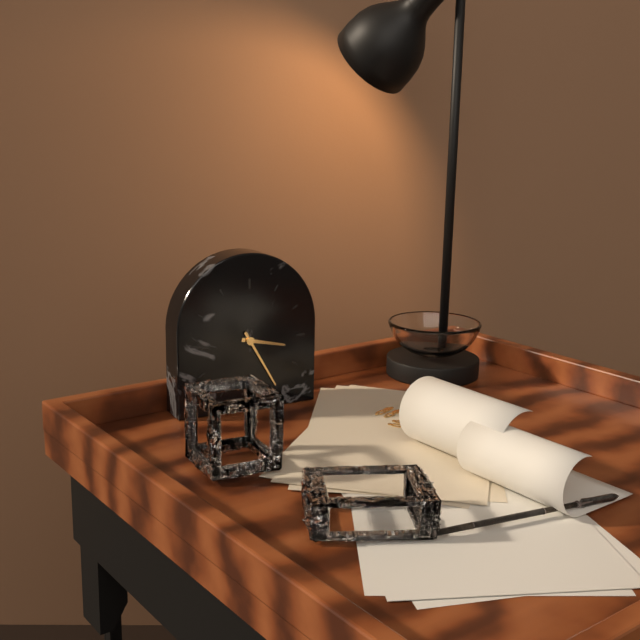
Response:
3h25
